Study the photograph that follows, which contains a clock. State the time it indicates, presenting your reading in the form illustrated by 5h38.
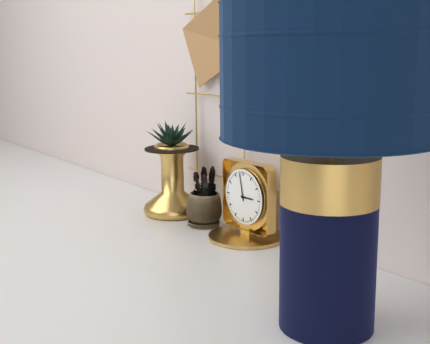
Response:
2h58
